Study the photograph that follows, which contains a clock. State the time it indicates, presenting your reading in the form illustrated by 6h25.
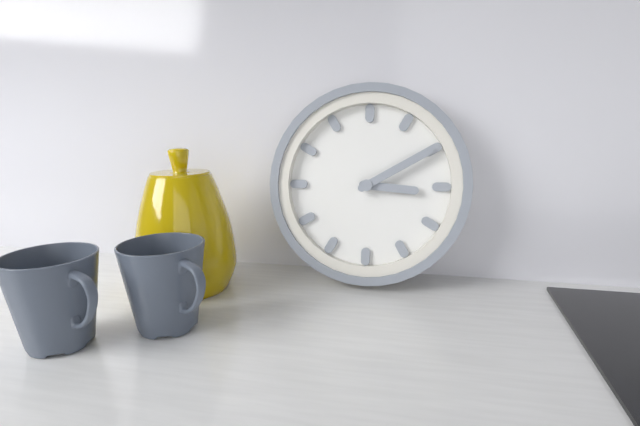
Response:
3h10
